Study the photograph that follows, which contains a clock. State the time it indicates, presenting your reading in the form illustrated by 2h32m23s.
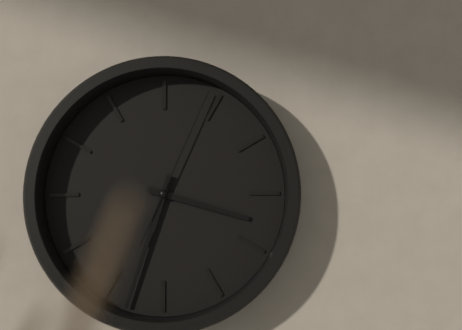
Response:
3h33m04s
